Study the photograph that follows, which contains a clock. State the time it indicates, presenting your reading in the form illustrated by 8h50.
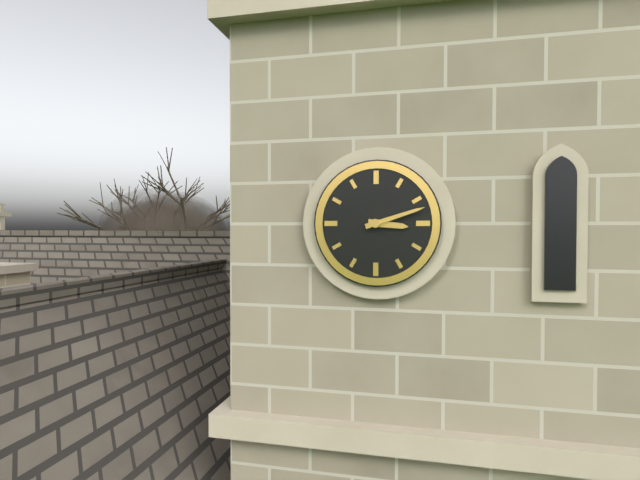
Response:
3h12
